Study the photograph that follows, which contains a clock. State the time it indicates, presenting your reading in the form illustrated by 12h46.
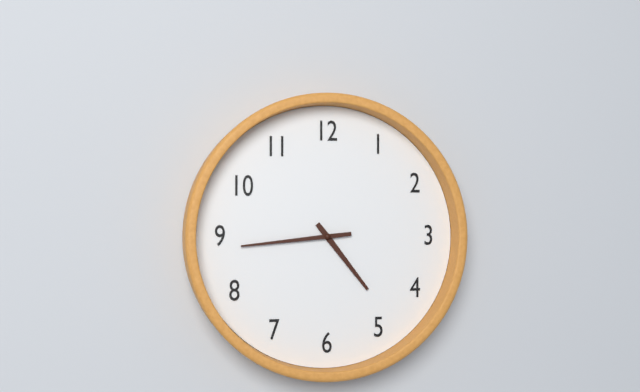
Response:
4h44
